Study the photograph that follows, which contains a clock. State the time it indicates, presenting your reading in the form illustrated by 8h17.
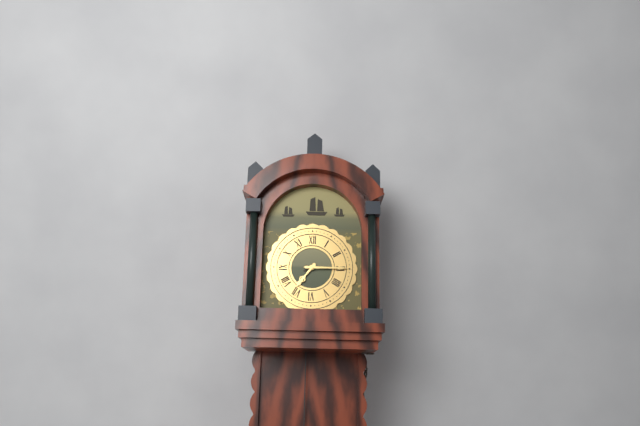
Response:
7h15
